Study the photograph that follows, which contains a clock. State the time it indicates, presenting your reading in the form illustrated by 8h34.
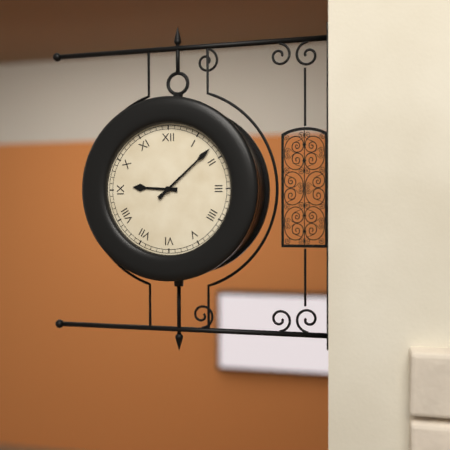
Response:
9h08
